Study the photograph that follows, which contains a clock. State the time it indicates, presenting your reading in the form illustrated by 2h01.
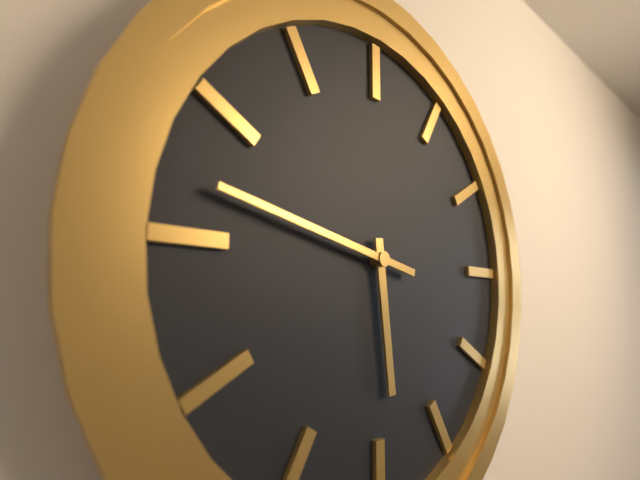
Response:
5h47
